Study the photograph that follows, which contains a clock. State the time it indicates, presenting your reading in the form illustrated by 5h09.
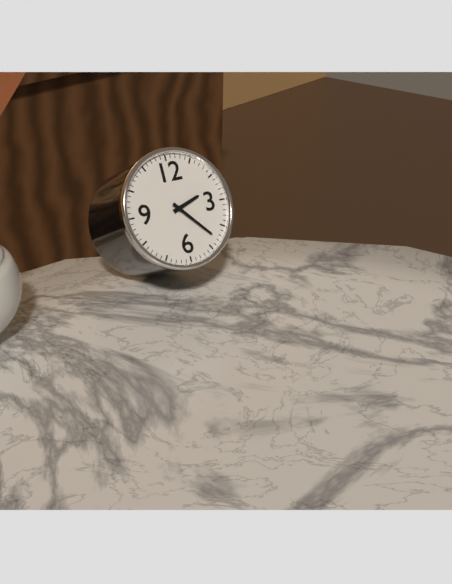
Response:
2h23
